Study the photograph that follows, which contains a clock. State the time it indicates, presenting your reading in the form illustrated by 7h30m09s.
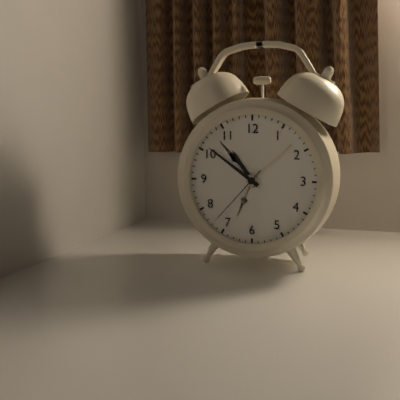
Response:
10h51m37s
